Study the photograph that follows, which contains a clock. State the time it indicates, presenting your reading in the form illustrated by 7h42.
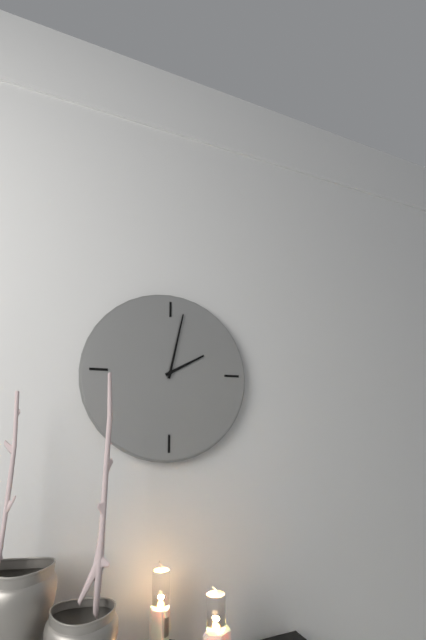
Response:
2h02
